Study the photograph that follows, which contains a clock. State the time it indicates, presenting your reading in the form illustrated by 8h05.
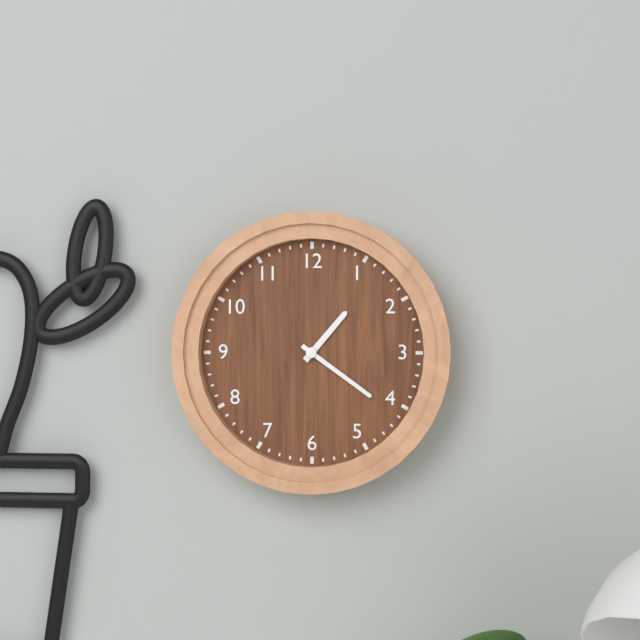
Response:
1h21
